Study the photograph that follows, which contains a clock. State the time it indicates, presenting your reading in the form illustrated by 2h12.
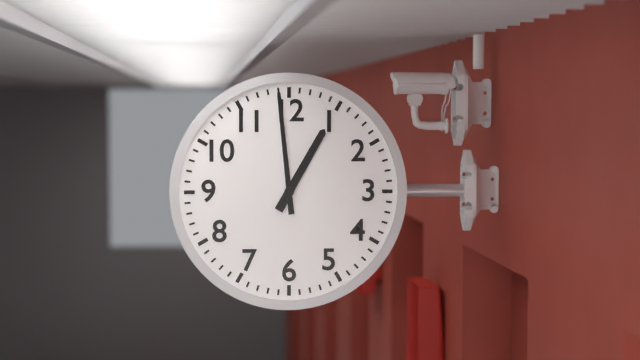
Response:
12h59
